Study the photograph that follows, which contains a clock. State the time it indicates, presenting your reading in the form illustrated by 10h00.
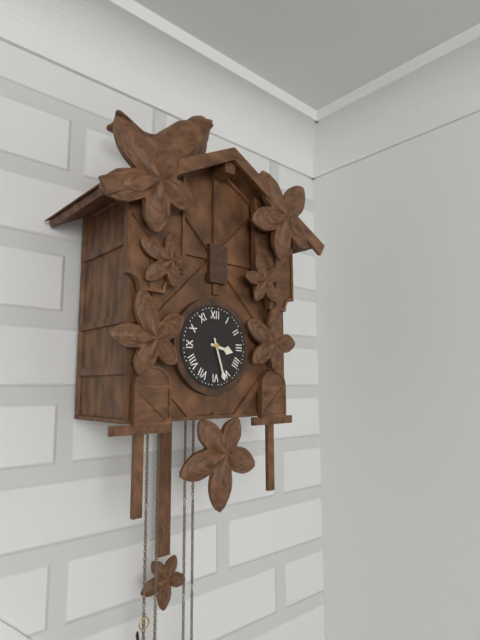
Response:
3h27
